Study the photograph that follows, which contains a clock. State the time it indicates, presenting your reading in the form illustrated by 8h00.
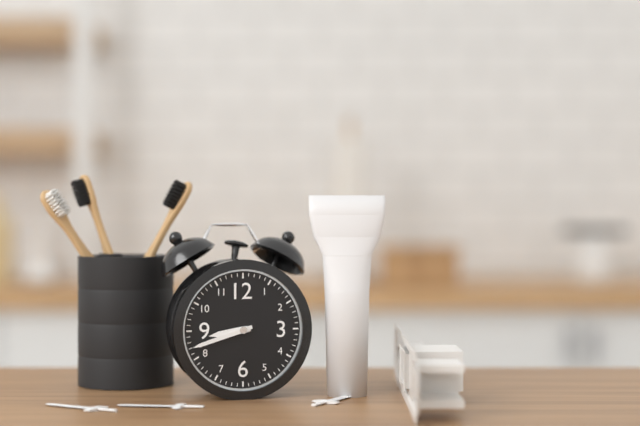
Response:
8h42
